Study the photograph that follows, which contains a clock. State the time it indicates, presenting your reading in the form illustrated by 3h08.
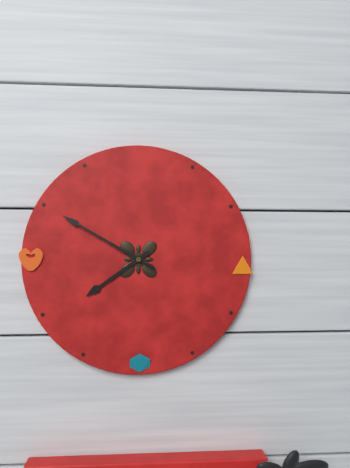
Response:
7h50
